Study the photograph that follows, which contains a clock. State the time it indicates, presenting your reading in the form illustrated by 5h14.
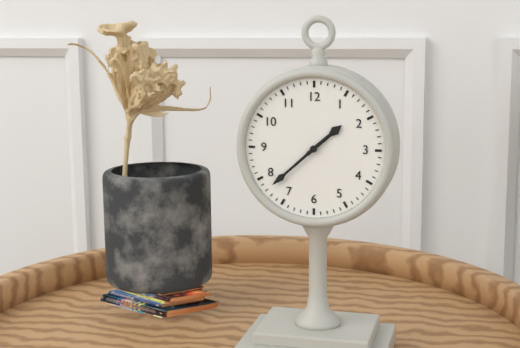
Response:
1h38
